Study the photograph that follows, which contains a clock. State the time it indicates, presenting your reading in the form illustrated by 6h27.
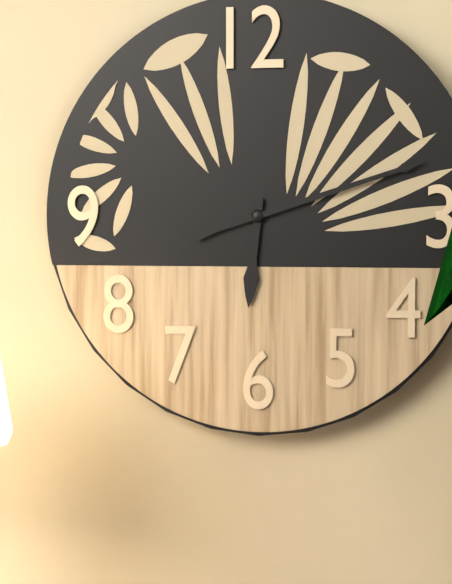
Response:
6h12
